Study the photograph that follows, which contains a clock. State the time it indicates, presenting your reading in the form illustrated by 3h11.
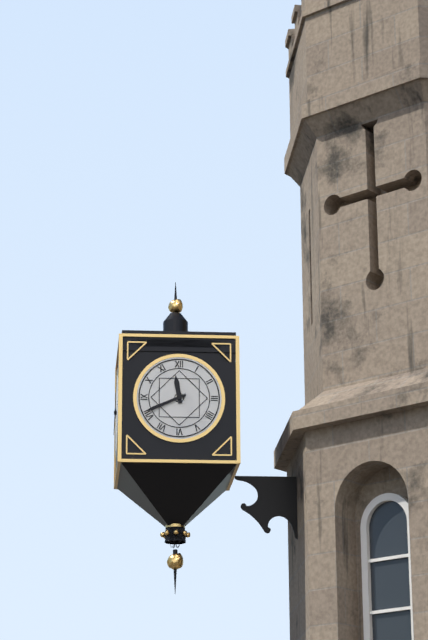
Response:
11h41
